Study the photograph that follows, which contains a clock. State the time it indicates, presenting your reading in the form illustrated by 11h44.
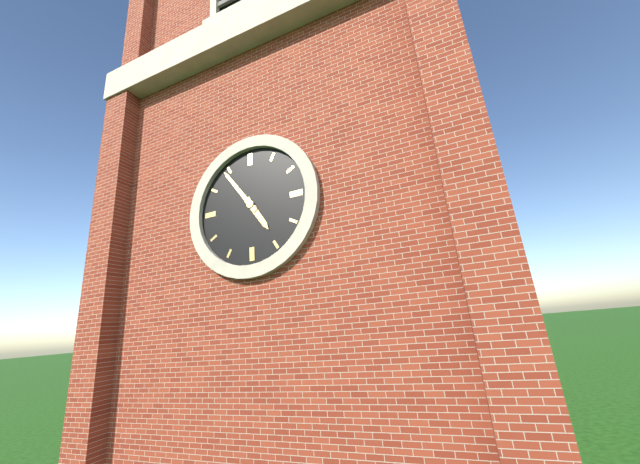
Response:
4h54
